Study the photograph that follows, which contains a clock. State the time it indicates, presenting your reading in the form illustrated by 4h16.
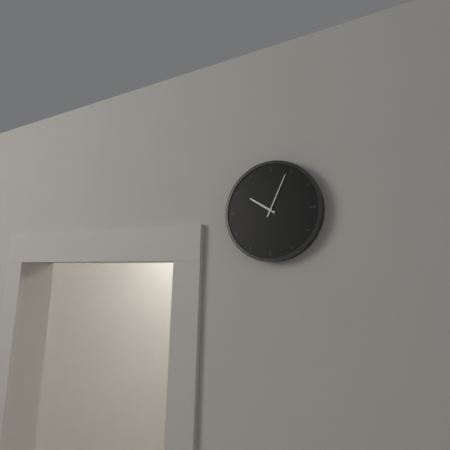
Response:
10h04
